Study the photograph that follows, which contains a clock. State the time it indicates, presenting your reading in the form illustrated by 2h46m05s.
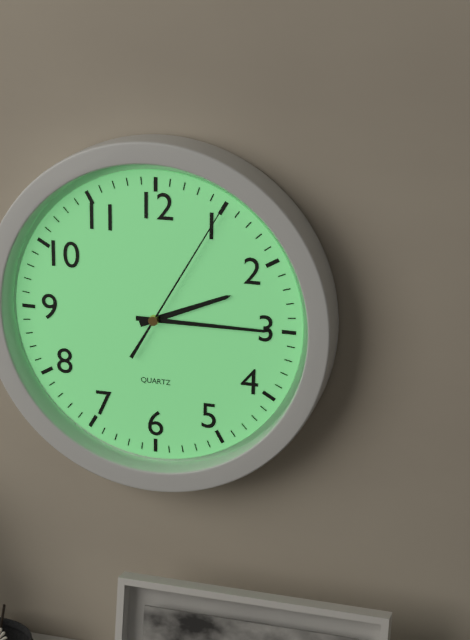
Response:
2h15m05s
